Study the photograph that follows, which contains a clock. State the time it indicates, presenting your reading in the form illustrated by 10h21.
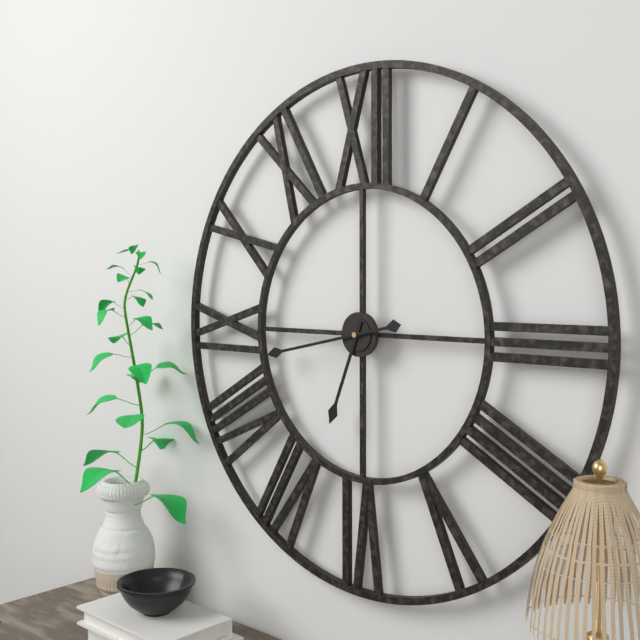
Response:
6h43
